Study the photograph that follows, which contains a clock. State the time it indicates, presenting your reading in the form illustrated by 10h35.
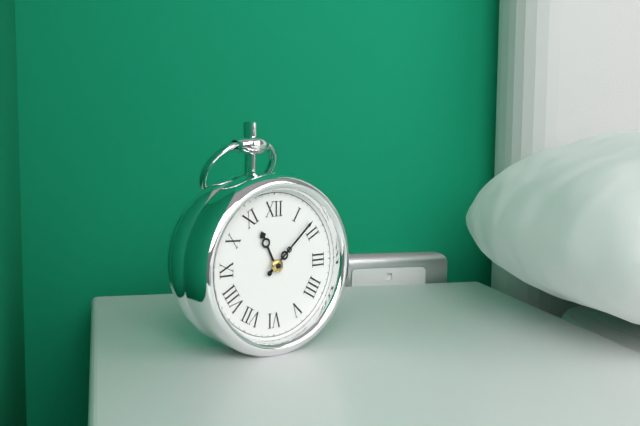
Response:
11h08
